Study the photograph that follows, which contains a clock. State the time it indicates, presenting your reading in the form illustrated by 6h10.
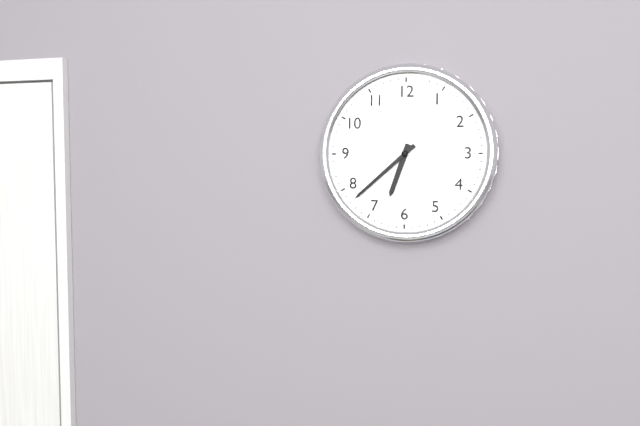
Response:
6h38
